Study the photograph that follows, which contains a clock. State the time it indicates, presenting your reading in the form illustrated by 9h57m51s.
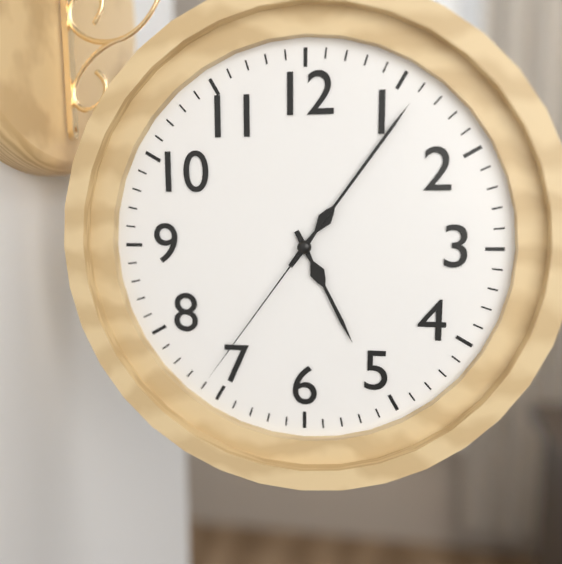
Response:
5h06m36s
